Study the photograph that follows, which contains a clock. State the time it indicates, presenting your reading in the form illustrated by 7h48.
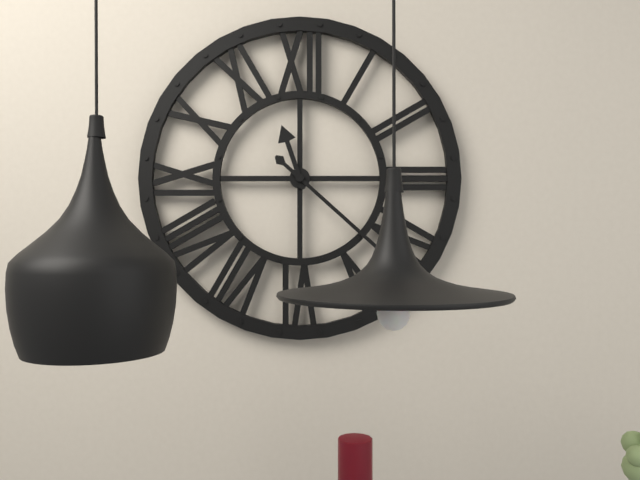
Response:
11h22
